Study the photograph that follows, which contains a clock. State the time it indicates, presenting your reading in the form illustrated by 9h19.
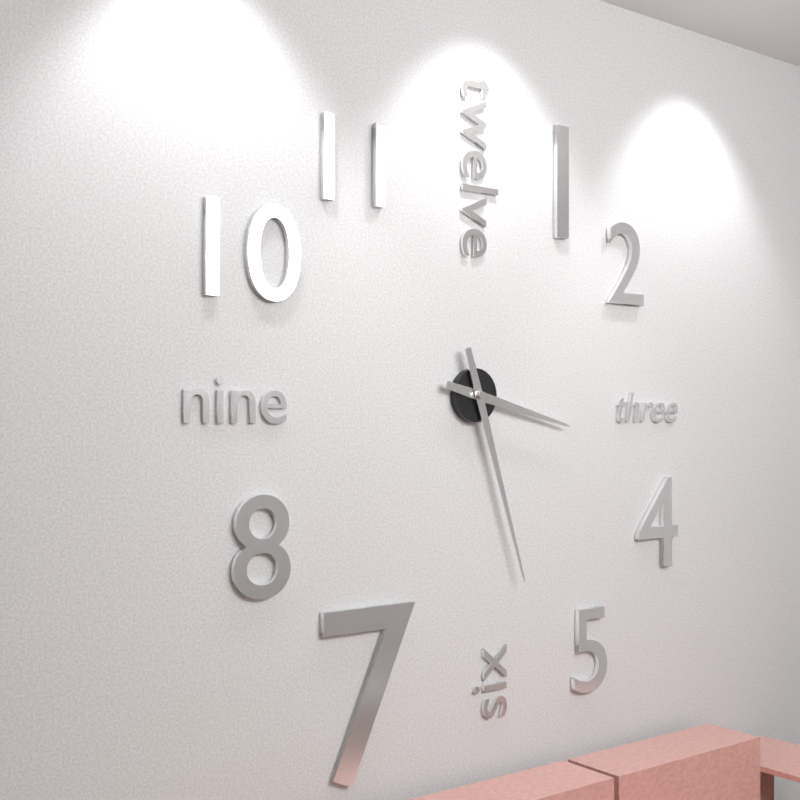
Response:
3h27
